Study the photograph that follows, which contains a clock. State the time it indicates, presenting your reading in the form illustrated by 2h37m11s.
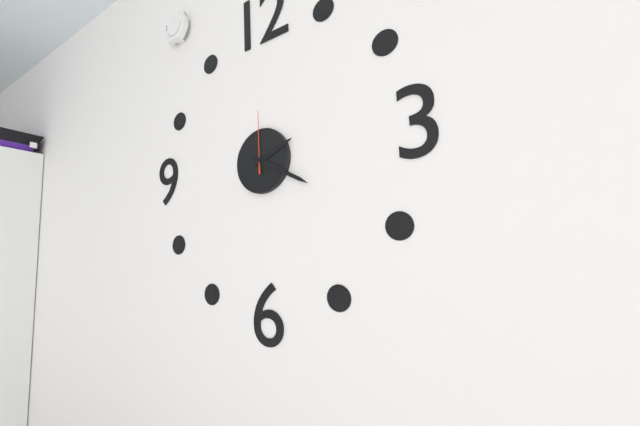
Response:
2h20m00s
